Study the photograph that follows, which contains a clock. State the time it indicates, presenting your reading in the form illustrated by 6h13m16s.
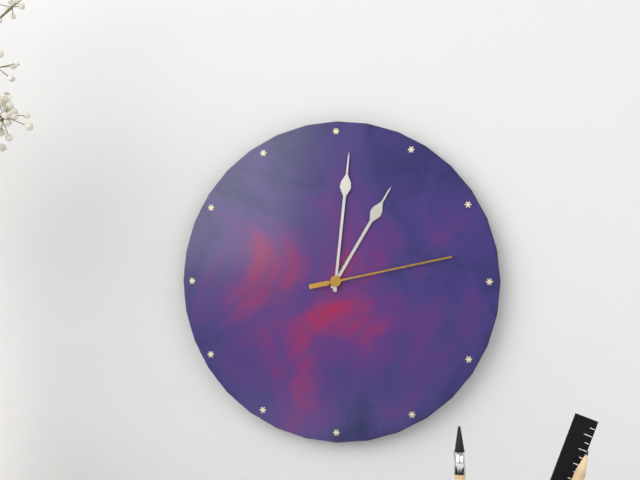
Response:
1h01m13s
